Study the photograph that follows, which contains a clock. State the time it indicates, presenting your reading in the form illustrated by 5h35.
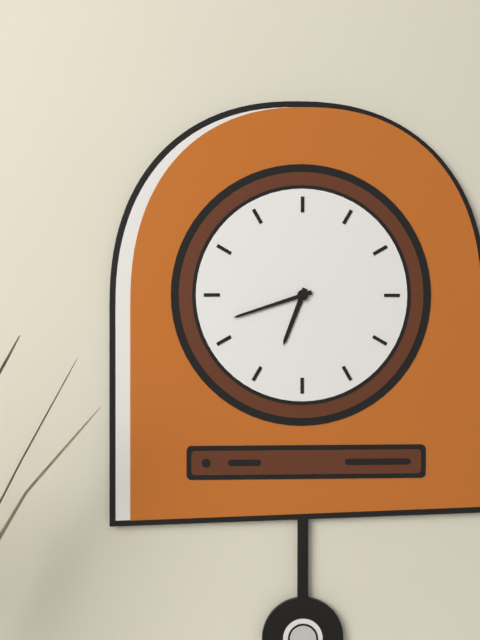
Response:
6h42
